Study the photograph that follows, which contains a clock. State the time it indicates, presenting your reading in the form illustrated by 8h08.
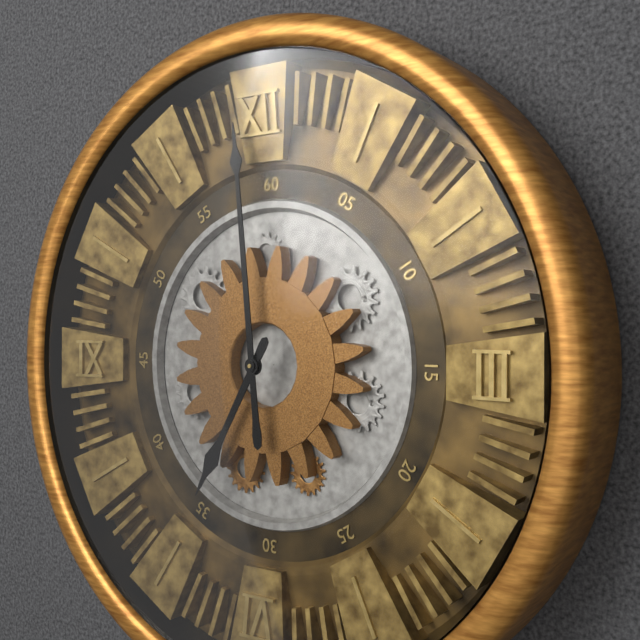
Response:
6h59
